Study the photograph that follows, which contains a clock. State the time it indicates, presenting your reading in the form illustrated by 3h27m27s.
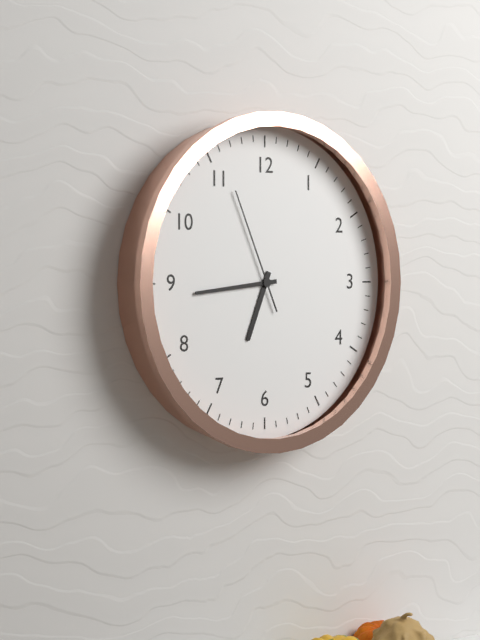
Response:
6h44m56s
